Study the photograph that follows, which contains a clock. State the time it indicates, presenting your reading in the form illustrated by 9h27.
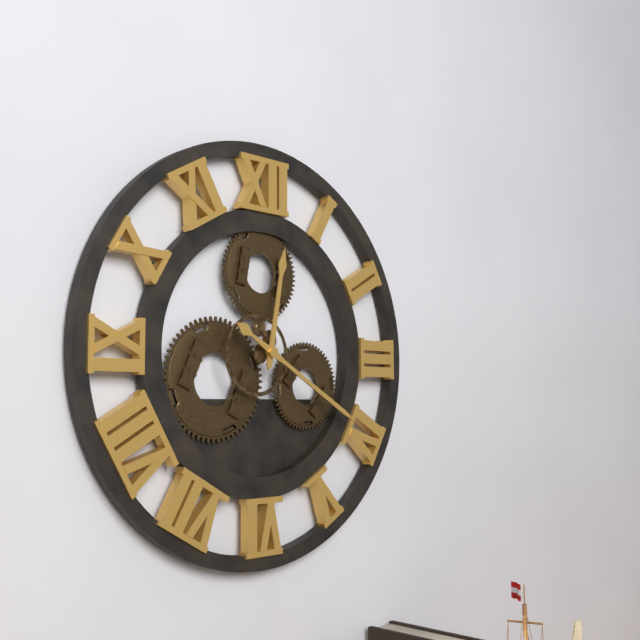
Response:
12h20
